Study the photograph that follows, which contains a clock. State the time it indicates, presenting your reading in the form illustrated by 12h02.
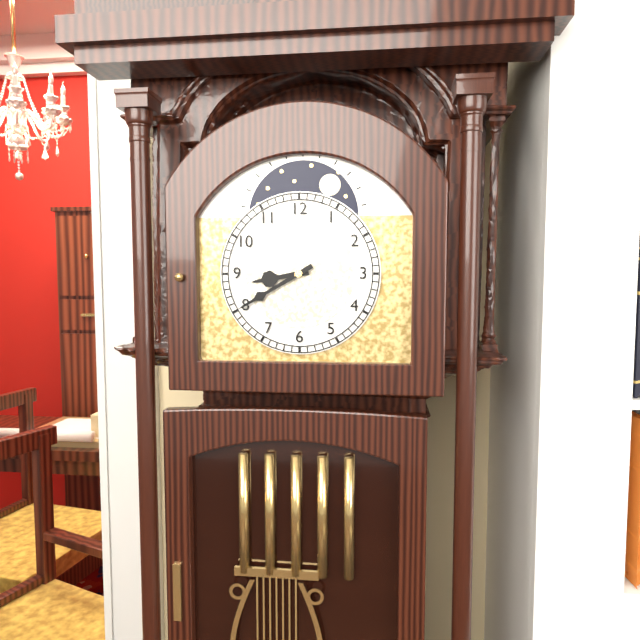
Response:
8h40
